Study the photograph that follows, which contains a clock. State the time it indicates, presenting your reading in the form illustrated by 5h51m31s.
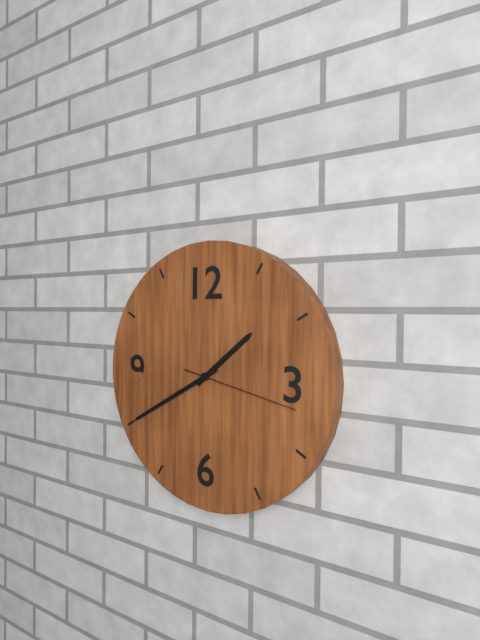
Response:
1h40m17s
